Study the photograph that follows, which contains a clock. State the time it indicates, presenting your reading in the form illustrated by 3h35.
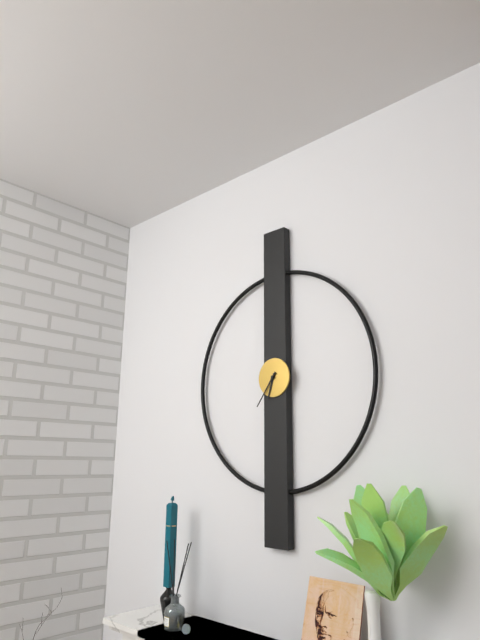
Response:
6h36
